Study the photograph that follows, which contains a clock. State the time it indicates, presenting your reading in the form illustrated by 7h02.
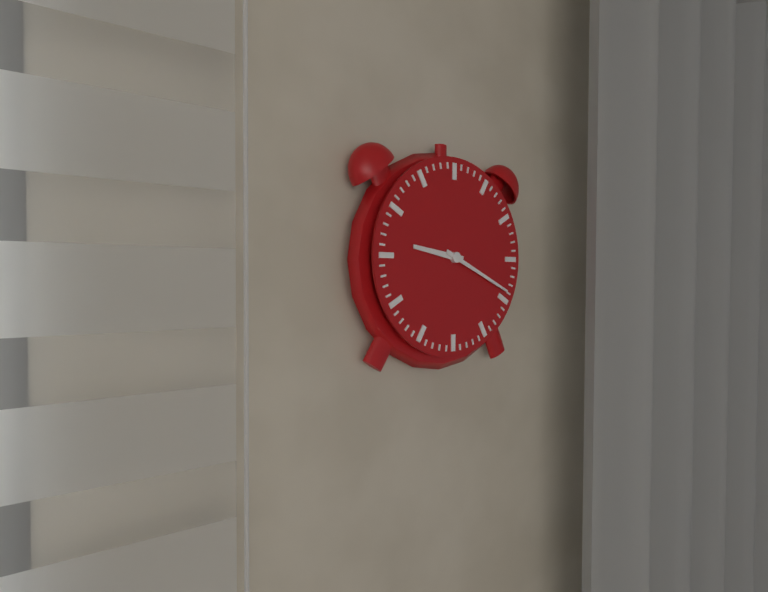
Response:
9h19
